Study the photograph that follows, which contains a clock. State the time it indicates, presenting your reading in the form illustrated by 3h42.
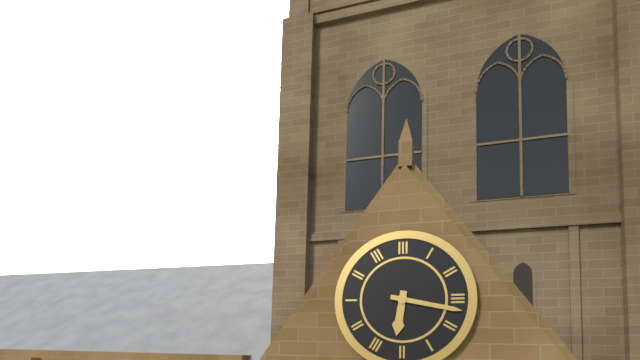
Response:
6h17
